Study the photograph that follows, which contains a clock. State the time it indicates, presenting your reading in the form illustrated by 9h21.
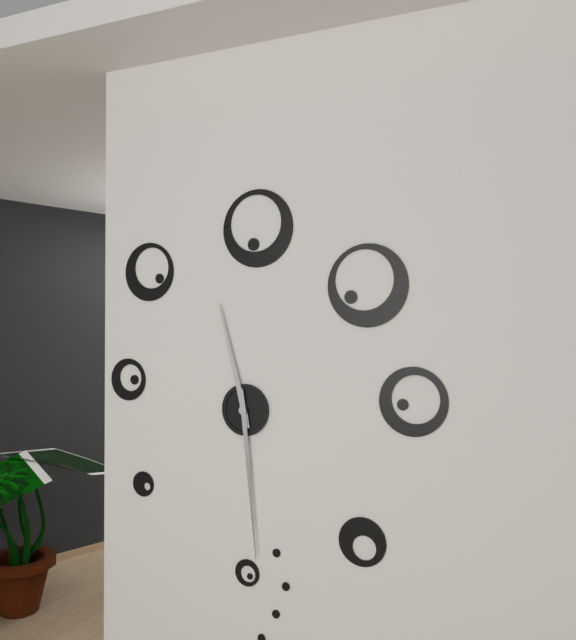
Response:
11h29
